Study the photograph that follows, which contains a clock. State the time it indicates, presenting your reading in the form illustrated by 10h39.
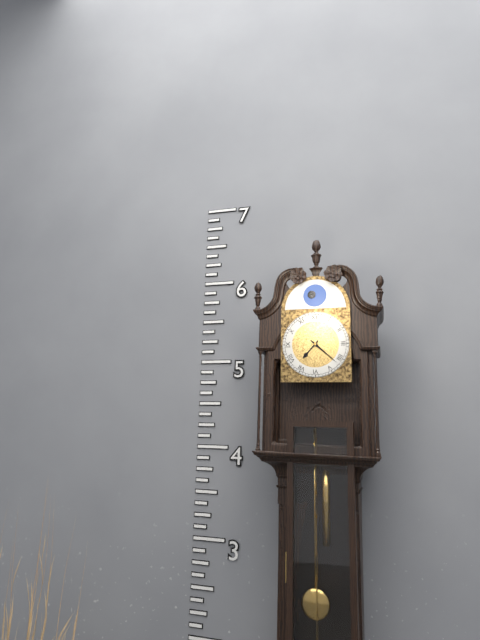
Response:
7h22
